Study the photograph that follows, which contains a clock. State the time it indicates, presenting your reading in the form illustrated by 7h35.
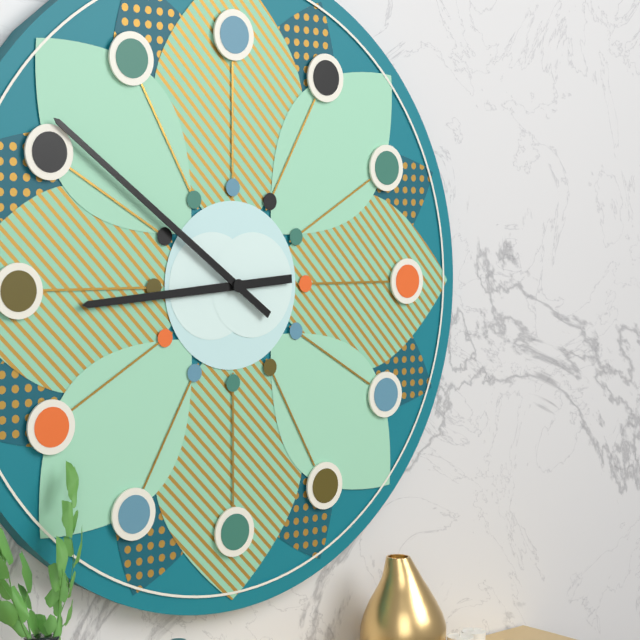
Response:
8h51
